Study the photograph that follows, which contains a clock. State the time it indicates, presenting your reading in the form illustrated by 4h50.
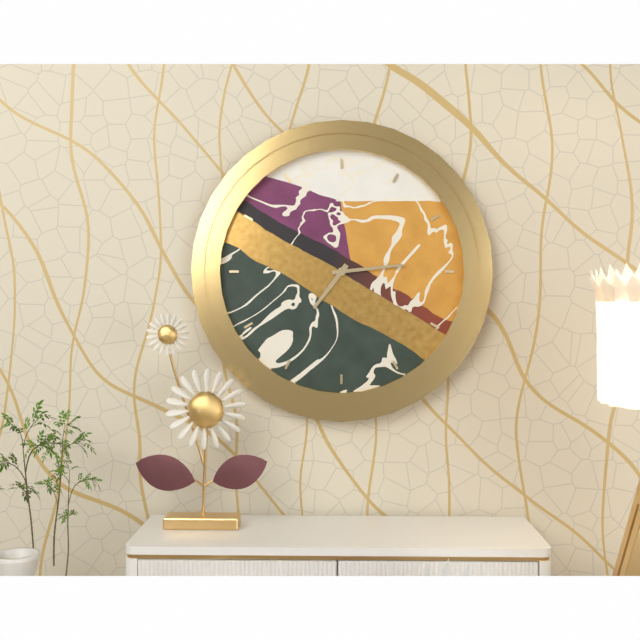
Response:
7h14
